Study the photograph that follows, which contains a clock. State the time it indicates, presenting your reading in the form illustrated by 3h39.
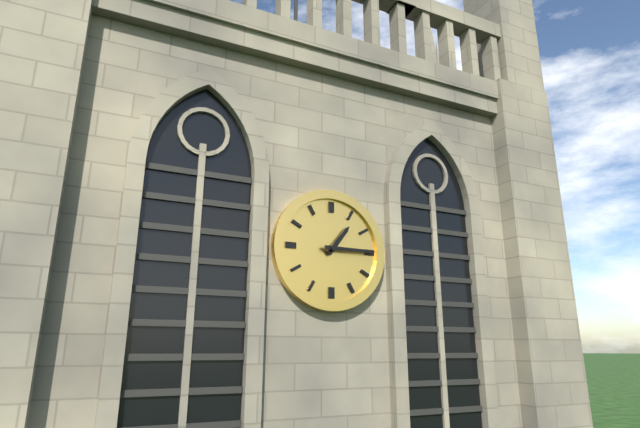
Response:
1h15
